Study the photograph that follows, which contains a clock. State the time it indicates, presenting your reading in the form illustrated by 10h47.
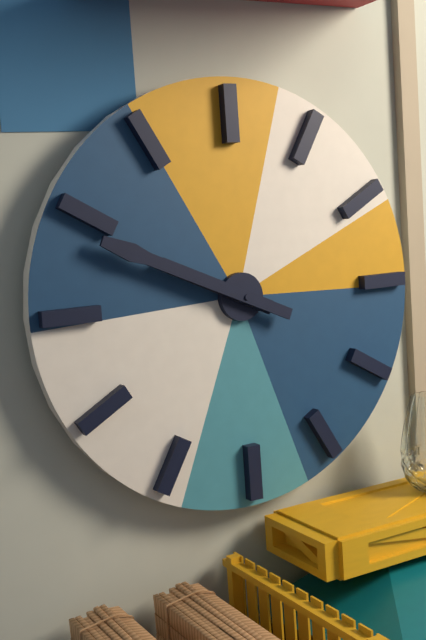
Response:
9h49
